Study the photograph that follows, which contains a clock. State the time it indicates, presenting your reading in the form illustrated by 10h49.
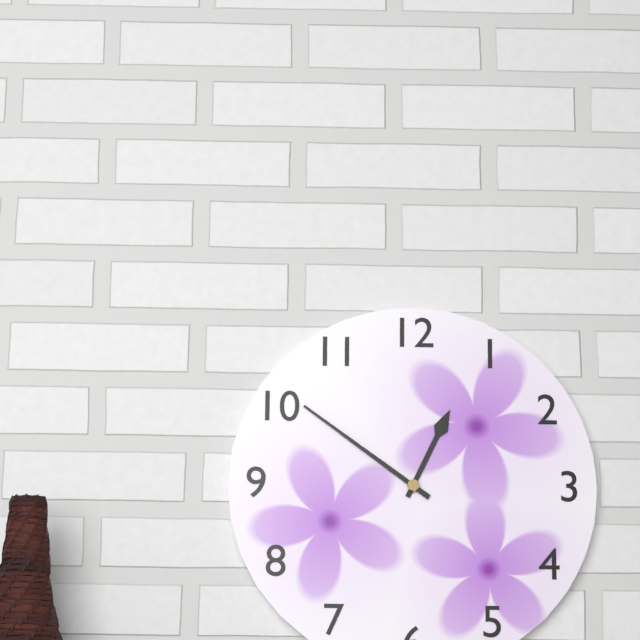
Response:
12h51
